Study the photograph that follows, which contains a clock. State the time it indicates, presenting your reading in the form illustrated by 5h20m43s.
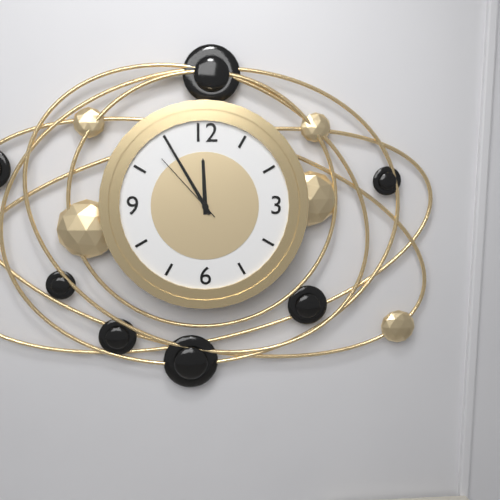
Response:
11h55m53s
